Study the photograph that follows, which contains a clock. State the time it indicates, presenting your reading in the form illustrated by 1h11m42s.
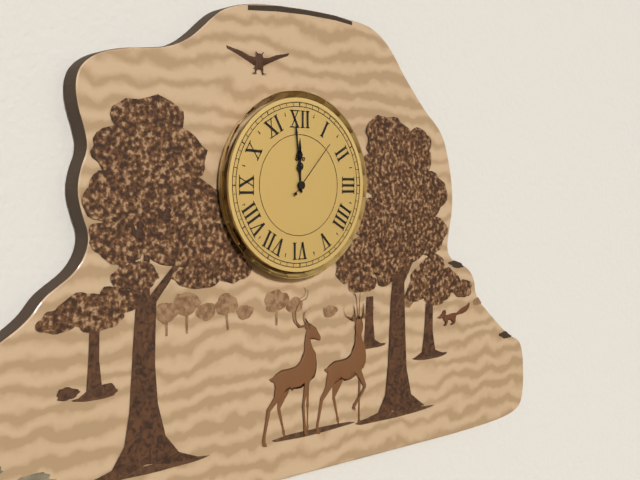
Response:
11h59m07s
